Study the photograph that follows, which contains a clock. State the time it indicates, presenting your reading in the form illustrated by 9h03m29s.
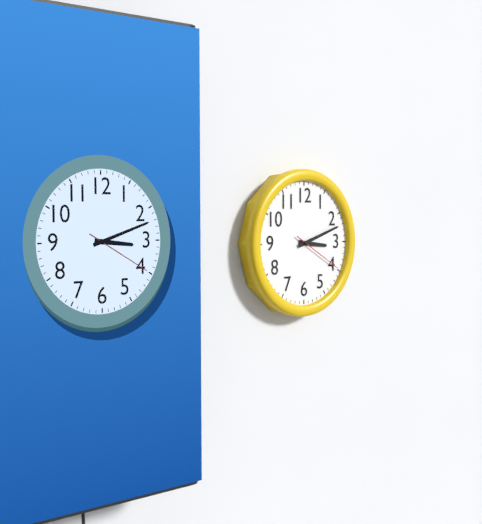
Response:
3h12m20s
